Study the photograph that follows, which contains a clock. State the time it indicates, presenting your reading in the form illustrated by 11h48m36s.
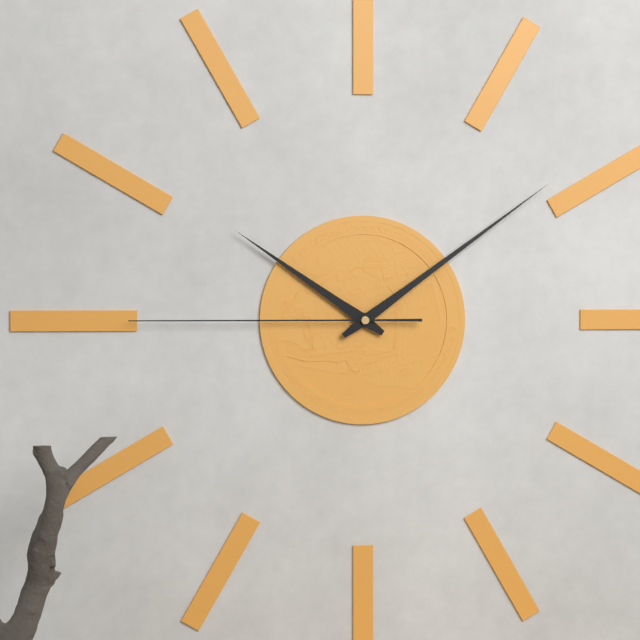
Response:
10h09m45s
